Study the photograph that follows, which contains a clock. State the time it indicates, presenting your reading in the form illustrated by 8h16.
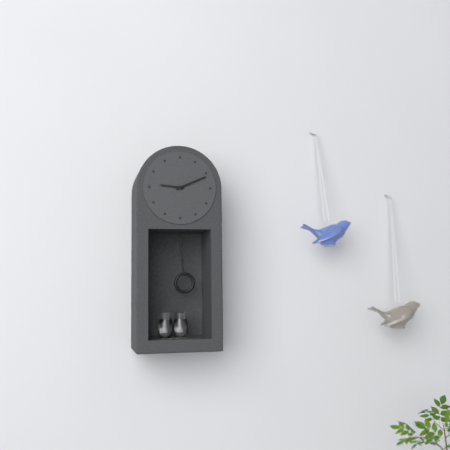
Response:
9h11
